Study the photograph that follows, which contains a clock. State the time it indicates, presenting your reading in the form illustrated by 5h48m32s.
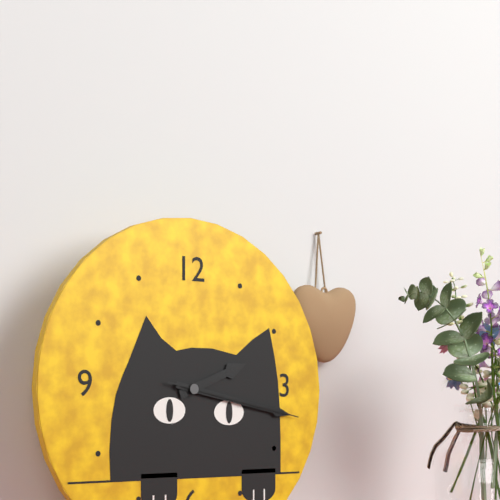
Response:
2h17m17s
